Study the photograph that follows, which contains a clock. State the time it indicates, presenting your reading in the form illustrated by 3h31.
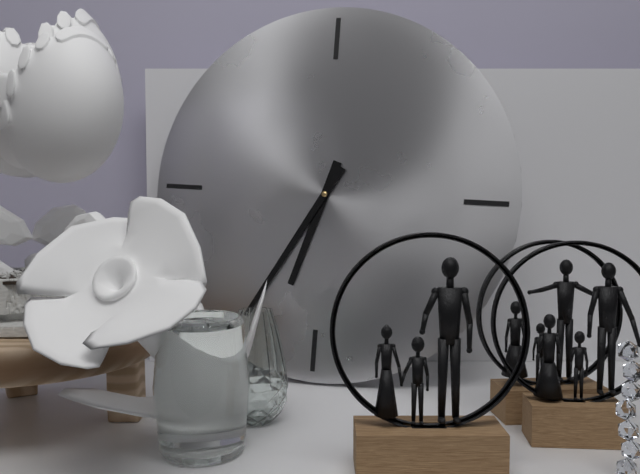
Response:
6h35
